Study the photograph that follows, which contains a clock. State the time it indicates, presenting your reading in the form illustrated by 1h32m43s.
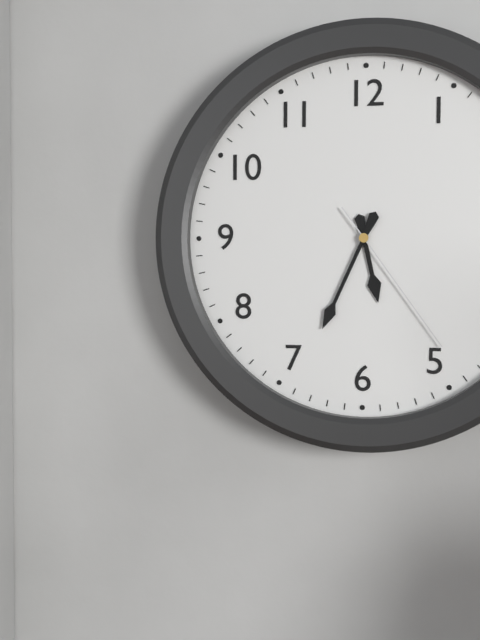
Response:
5h34m24s
